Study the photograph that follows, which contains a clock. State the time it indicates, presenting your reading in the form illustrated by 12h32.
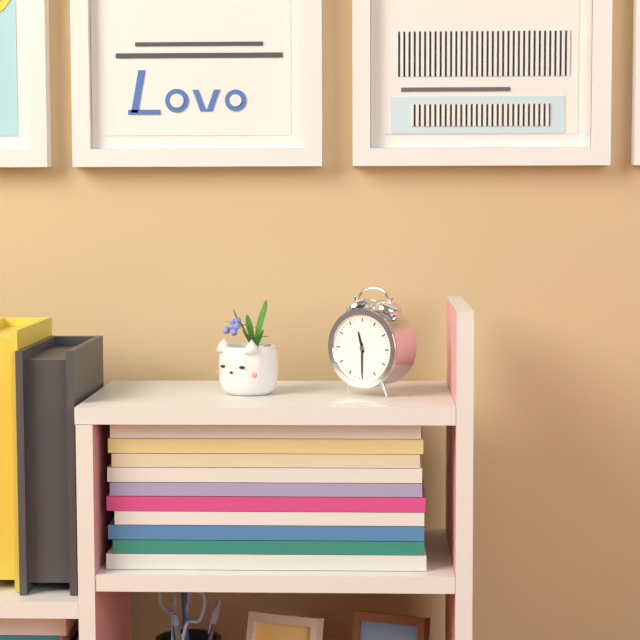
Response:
11h30
